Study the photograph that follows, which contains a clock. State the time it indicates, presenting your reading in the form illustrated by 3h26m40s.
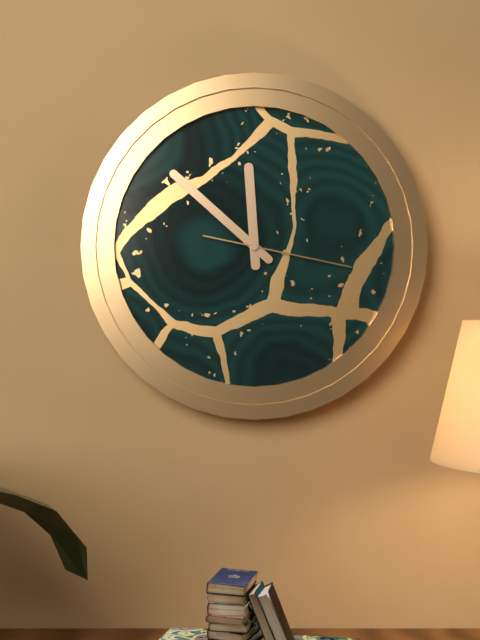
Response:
11h52m17s
